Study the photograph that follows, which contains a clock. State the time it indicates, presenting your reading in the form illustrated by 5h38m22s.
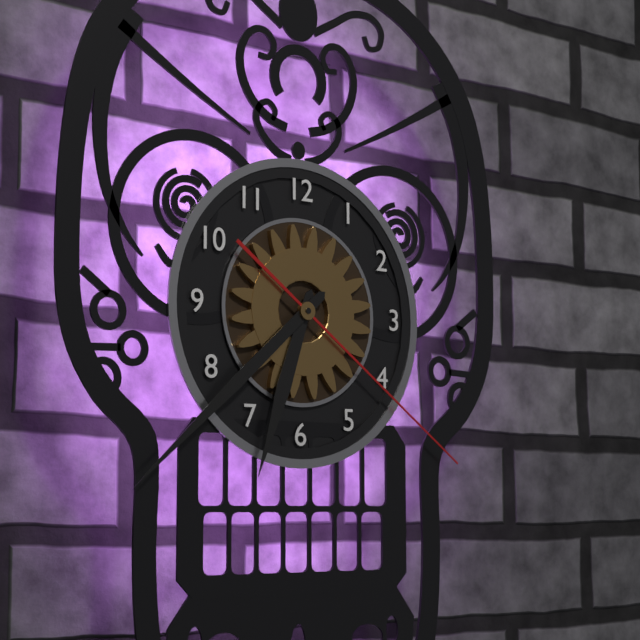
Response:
6h38m21s
